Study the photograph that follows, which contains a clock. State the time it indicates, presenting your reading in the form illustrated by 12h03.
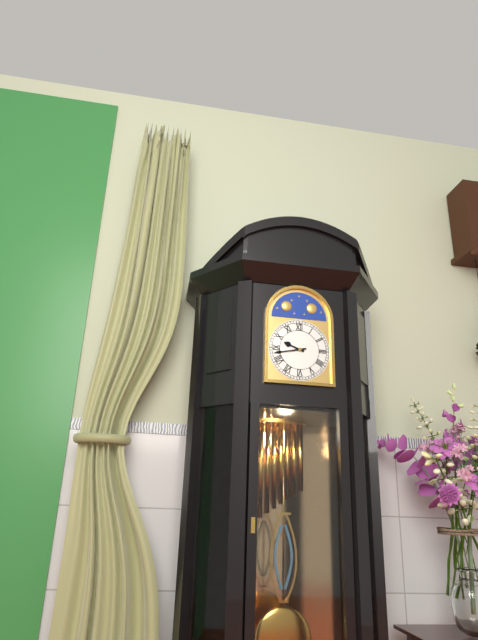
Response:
9h43
